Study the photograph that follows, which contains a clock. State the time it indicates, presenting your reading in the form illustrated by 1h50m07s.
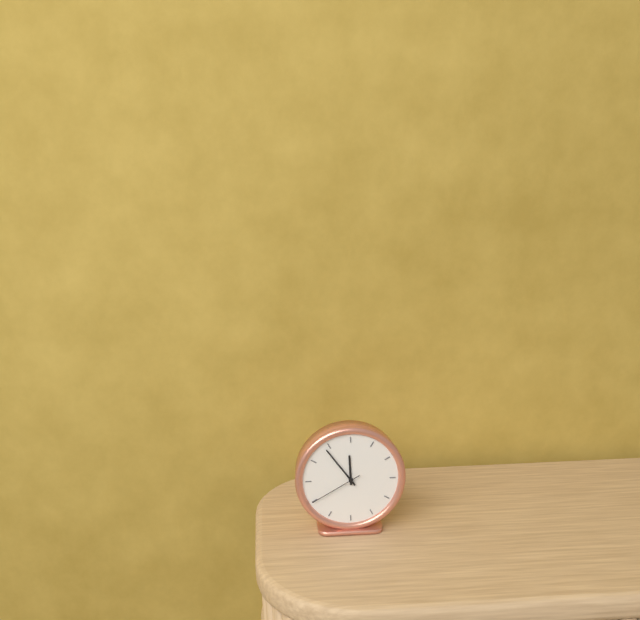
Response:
11h54m40s
